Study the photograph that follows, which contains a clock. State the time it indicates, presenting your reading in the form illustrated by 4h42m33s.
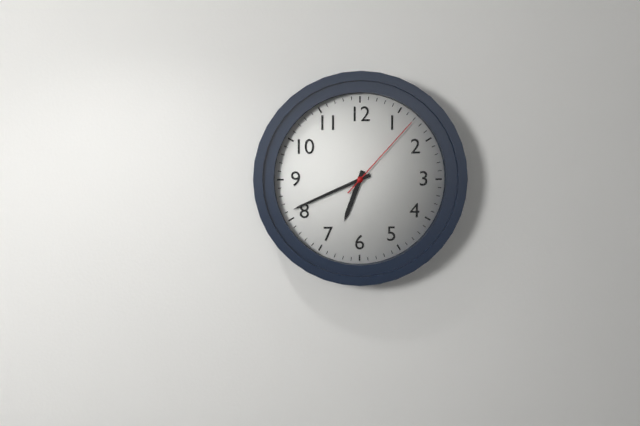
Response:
6h41m07s
